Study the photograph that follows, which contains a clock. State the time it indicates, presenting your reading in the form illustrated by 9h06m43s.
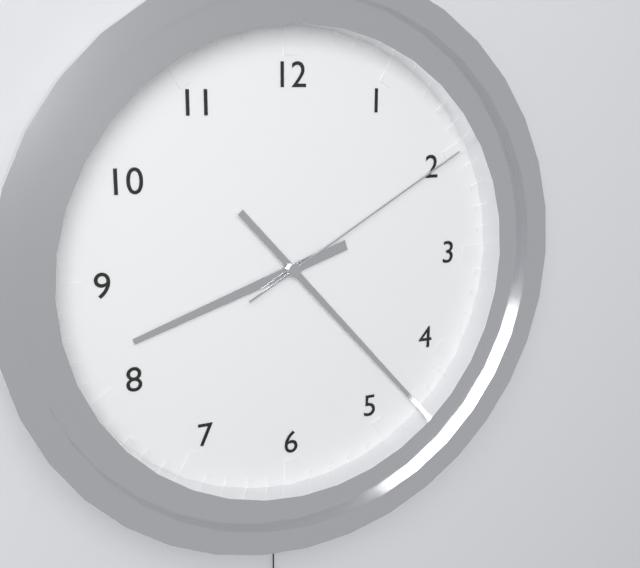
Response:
8h23m10s
